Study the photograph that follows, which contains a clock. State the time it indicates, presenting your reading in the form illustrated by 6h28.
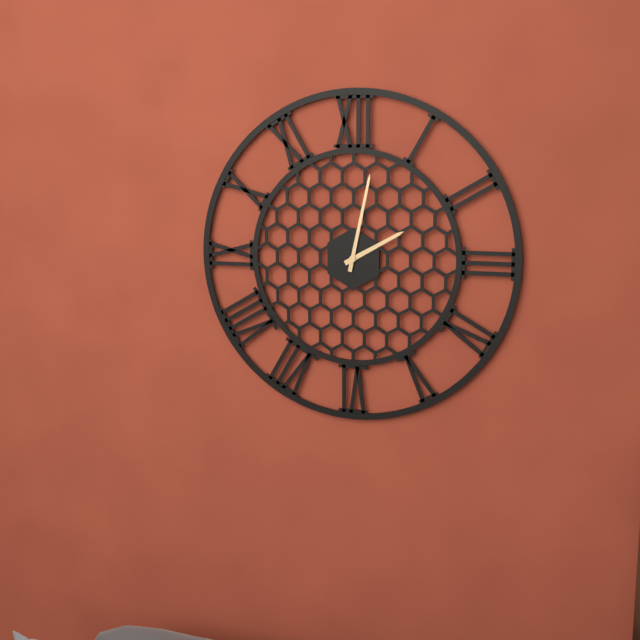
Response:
2h02
